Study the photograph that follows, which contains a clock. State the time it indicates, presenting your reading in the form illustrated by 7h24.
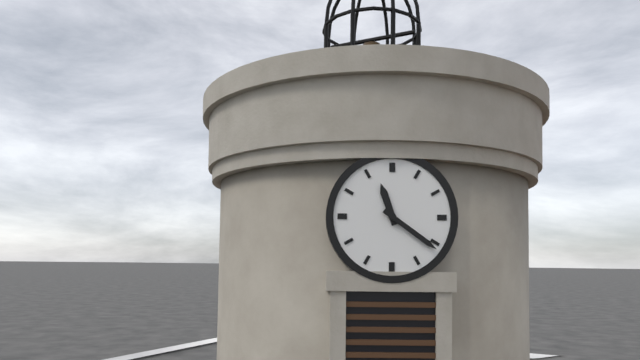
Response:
11h21
